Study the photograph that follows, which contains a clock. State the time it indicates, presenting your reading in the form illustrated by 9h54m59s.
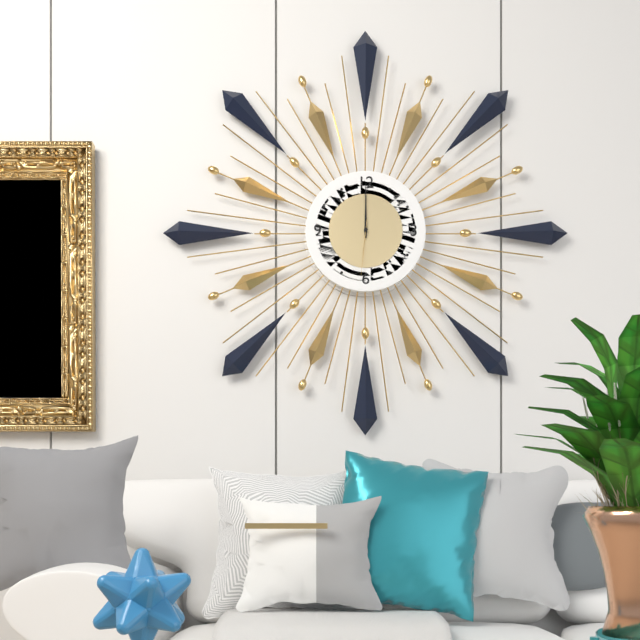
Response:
12h00m31s
